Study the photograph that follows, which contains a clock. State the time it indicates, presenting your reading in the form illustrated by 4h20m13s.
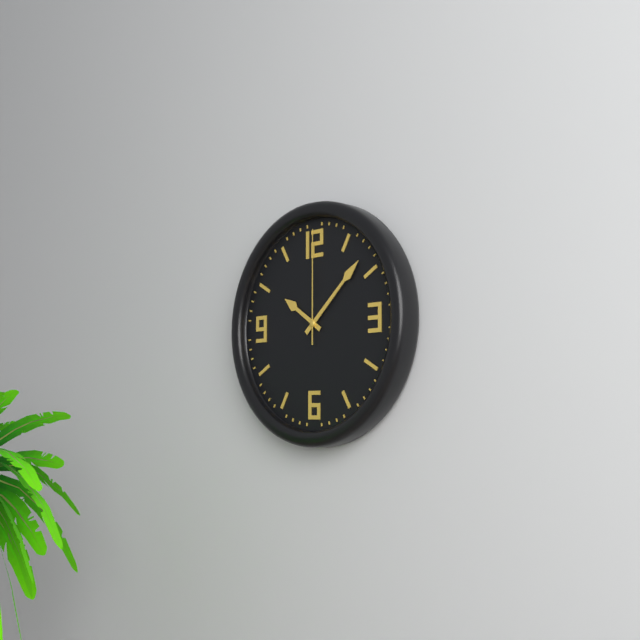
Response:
10h08m00s
